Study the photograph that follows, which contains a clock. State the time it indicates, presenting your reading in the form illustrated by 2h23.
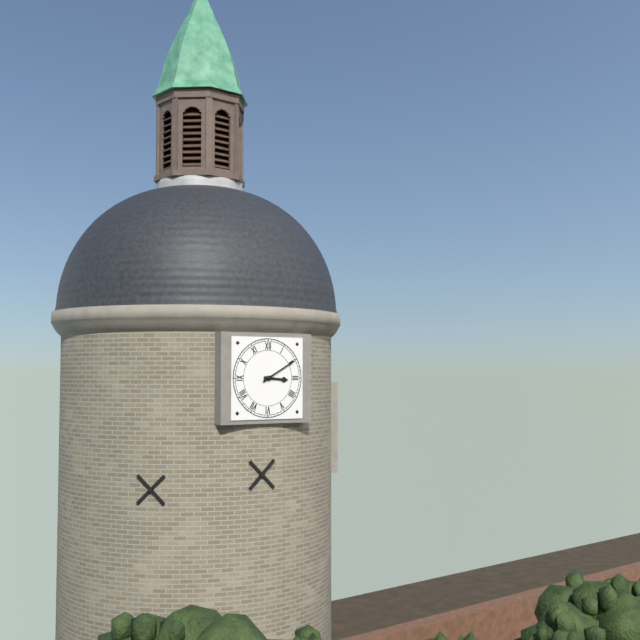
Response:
3h10
